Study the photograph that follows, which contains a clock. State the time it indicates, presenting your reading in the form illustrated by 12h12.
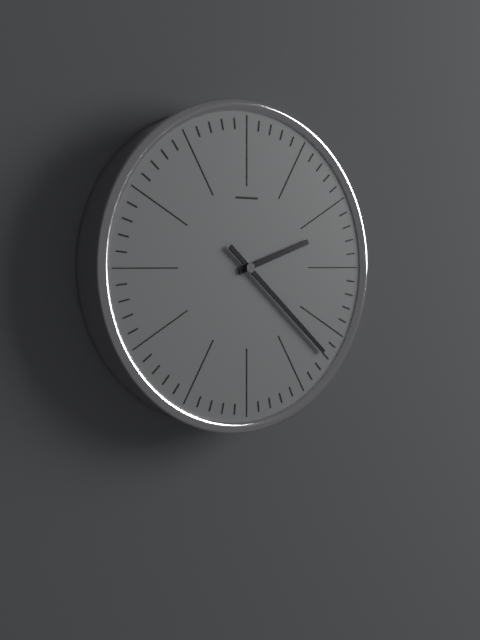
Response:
2h22
